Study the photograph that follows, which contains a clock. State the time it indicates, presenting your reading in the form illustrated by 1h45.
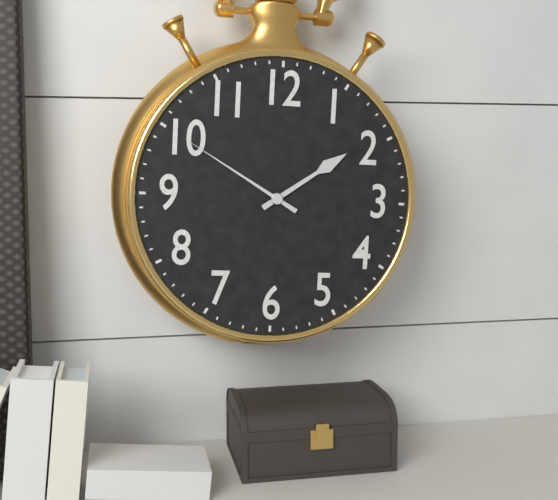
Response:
1h50
